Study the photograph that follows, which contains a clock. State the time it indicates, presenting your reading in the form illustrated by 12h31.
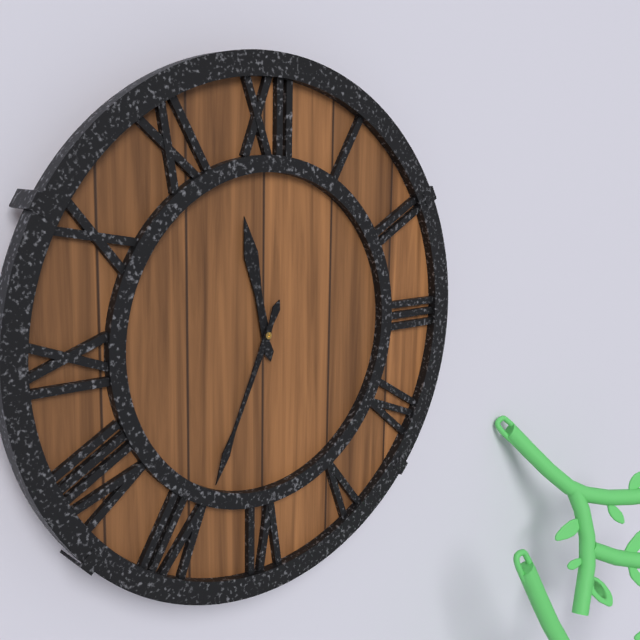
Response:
11h34
